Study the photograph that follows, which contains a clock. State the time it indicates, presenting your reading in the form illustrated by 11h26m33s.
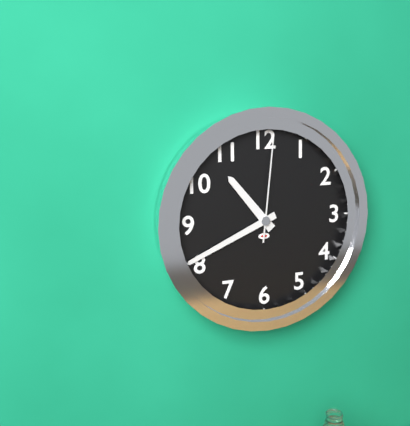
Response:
10h41m01s
